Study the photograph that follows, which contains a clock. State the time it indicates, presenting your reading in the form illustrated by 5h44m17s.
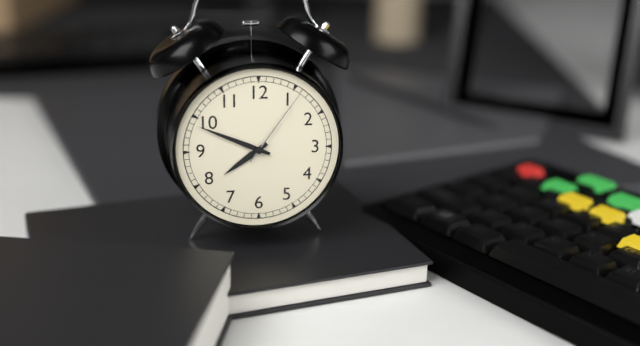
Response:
7h49m06s
